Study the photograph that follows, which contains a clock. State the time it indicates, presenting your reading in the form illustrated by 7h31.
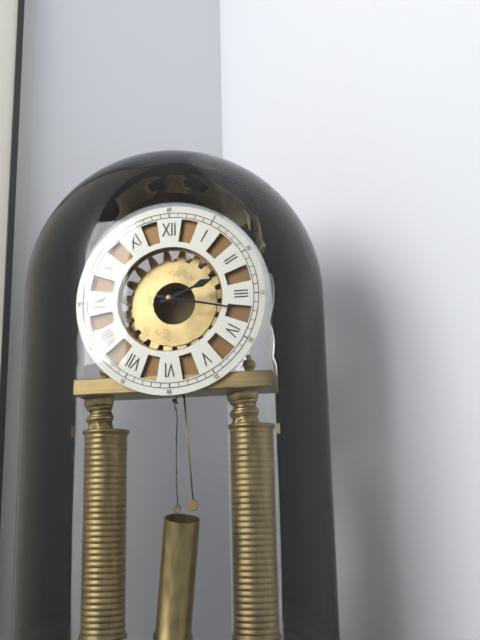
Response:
2h17
